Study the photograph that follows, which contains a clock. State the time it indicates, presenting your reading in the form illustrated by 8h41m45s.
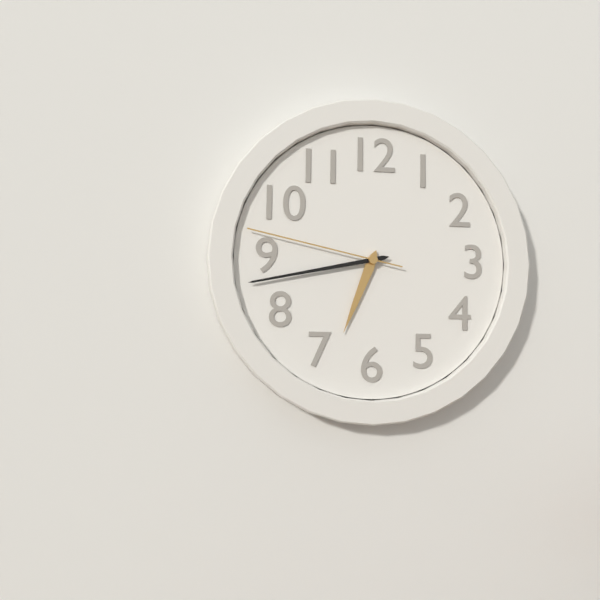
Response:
6h43m47s
